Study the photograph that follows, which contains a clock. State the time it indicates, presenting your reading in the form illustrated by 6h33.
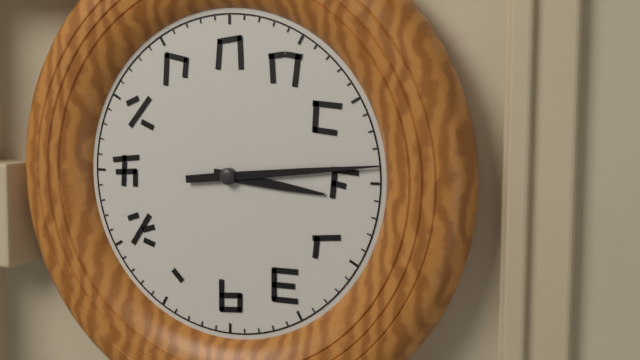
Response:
3h14
